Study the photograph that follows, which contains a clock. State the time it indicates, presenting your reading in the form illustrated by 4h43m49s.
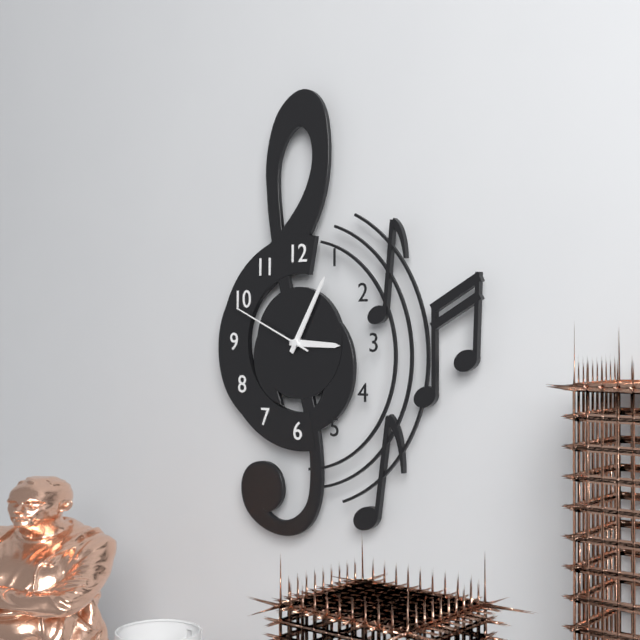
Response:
3h05m49s
